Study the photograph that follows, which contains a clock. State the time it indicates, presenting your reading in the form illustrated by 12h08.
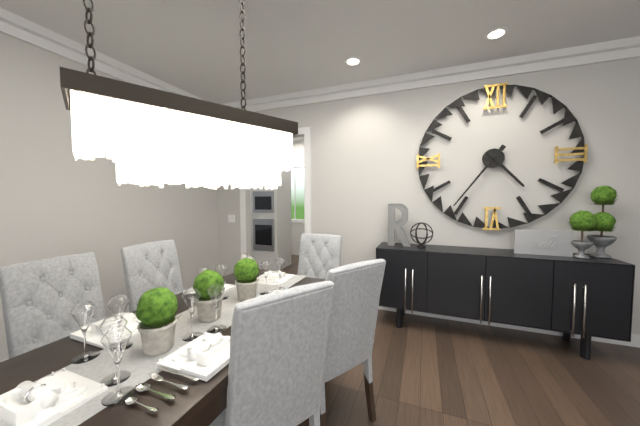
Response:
4h36
